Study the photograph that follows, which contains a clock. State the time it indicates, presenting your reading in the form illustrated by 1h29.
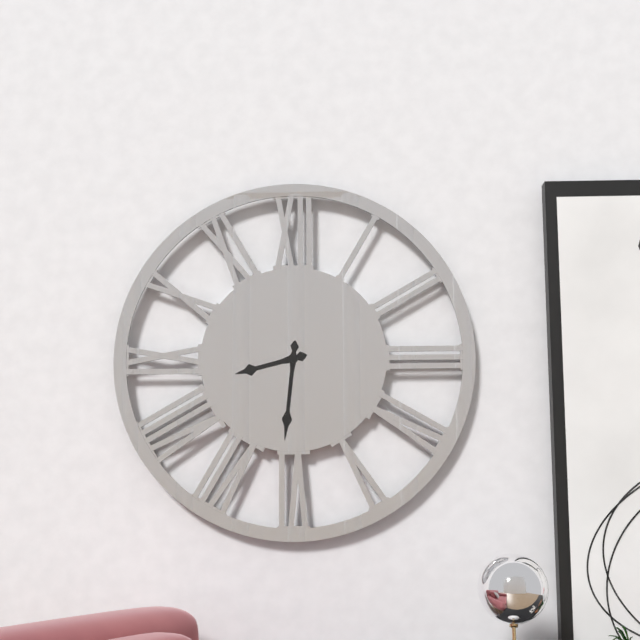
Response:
8h31
